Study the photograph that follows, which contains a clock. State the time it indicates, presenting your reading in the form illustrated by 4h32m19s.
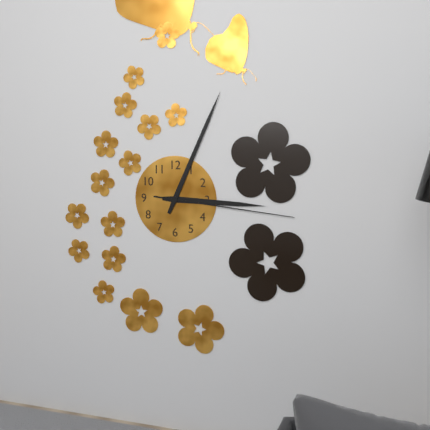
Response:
3h04m16s
